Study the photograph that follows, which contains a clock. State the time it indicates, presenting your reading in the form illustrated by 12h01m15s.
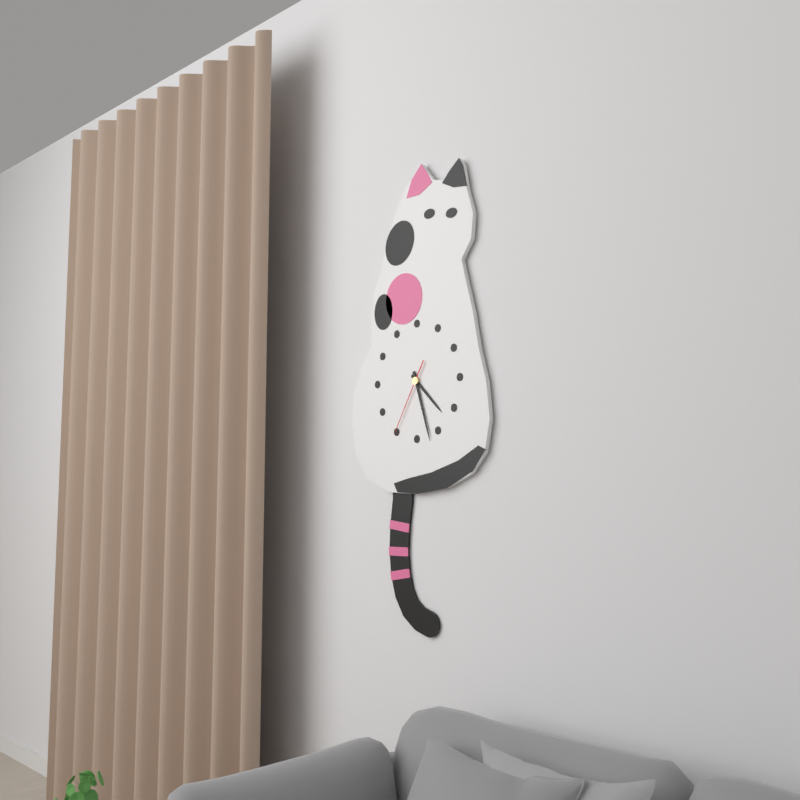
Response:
4h27m35s
